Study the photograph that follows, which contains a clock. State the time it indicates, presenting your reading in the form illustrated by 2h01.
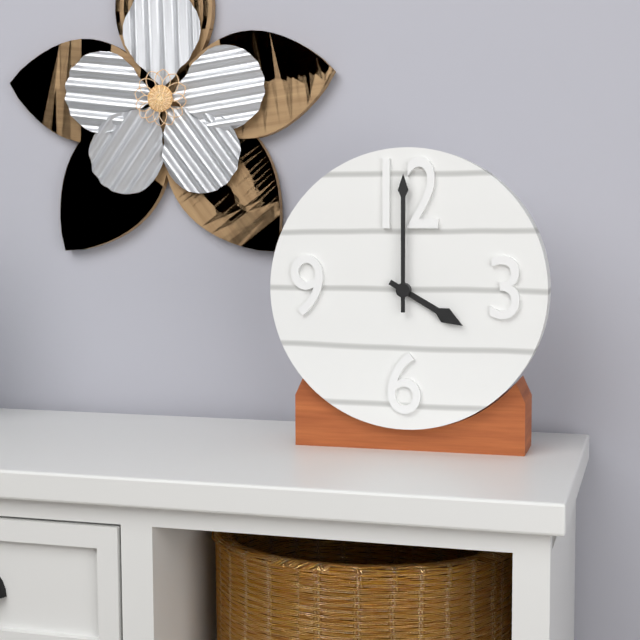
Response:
4h00
